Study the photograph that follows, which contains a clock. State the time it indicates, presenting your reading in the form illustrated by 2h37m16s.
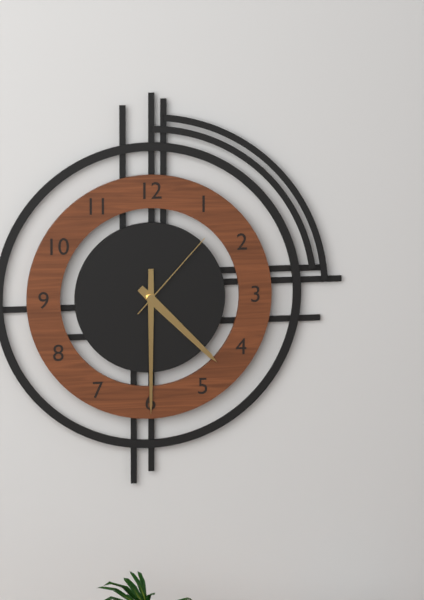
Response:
4h30m07s
